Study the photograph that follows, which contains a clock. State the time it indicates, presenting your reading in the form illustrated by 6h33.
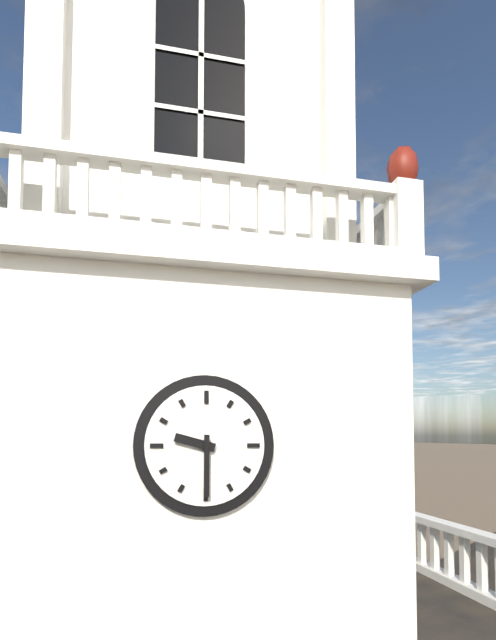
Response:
9h30
